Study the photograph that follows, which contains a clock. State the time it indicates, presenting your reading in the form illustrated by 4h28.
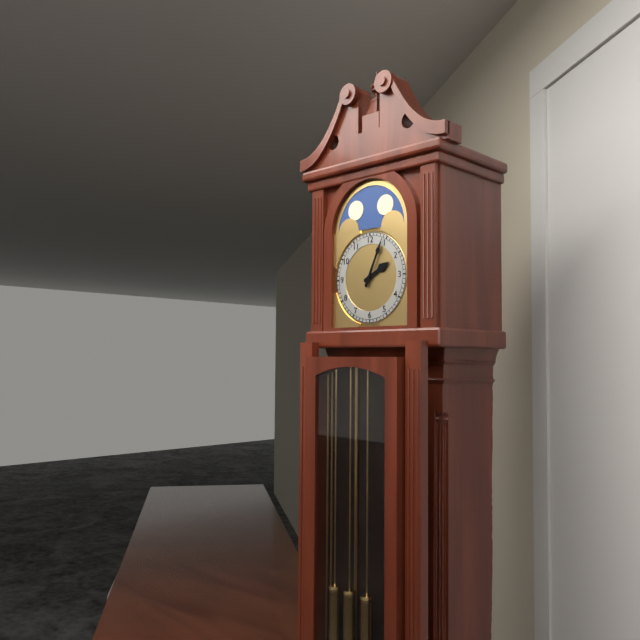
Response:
2h04
